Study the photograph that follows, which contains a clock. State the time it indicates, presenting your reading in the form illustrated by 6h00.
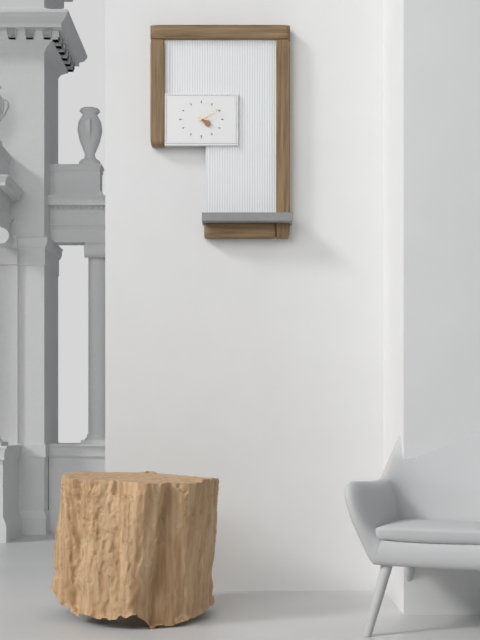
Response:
4h10
